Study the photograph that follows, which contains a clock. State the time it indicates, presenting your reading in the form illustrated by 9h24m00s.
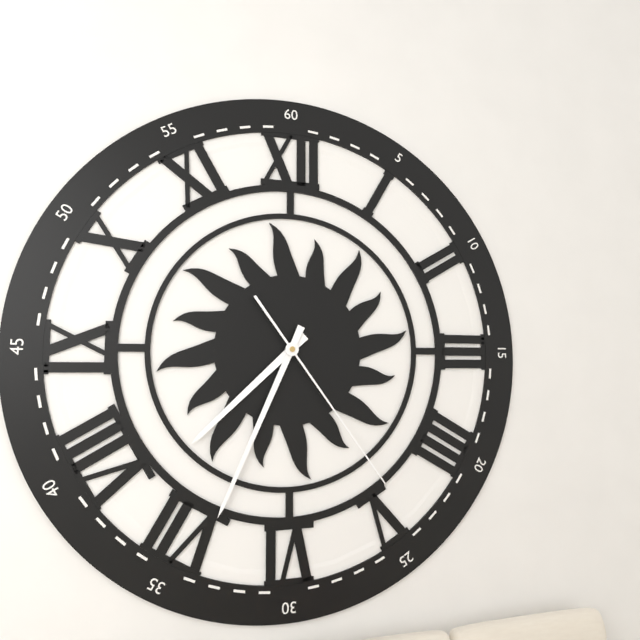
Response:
7h34m24s
